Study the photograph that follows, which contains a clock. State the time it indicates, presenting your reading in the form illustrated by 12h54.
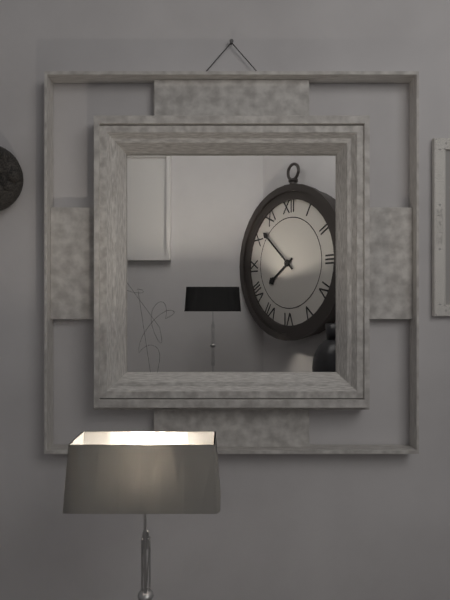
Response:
7h52
